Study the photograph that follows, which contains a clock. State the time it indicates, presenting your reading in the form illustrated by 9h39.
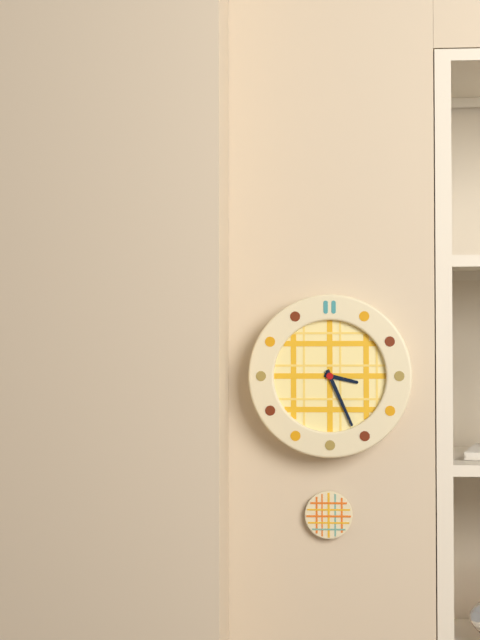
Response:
3h26
